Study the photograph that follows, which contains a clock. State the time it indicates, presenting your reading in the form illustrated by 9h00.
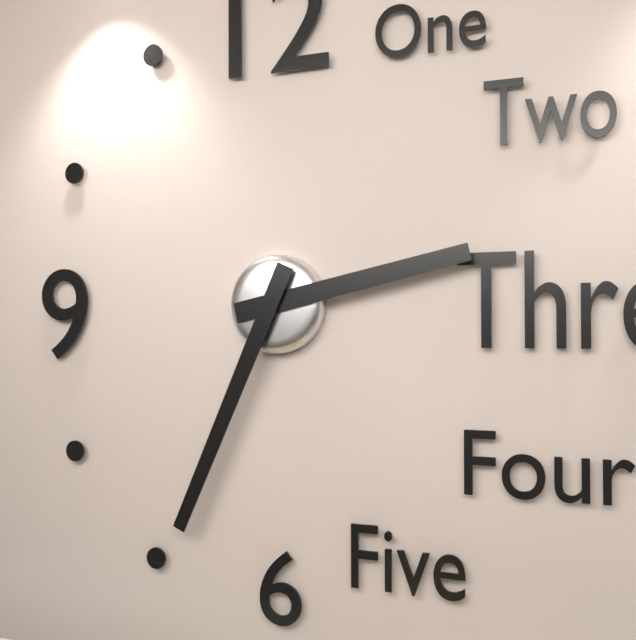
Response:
2h34
